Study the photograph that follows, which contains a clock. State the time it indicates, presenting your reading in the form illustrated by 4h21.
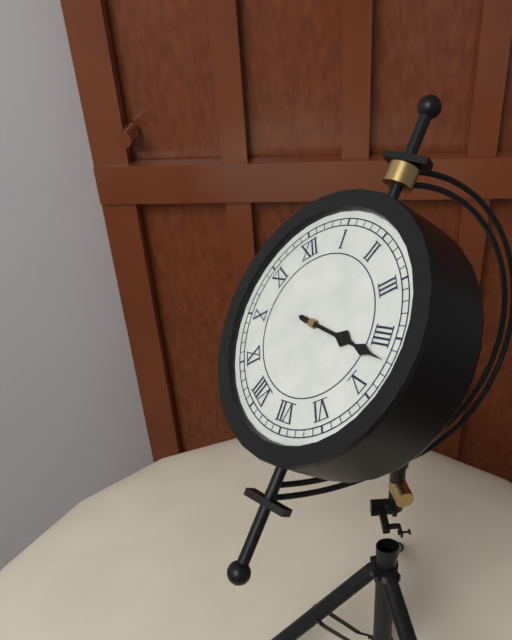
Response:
4h22
